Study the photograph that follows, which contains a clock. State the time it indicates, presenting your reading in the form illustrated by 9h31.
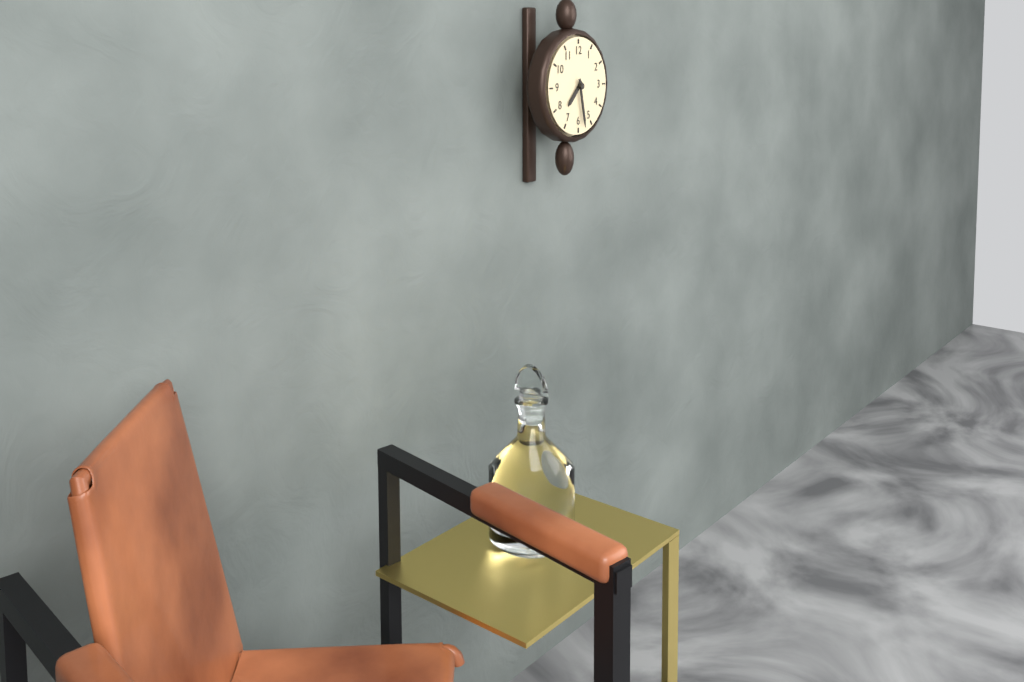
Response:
7h28
